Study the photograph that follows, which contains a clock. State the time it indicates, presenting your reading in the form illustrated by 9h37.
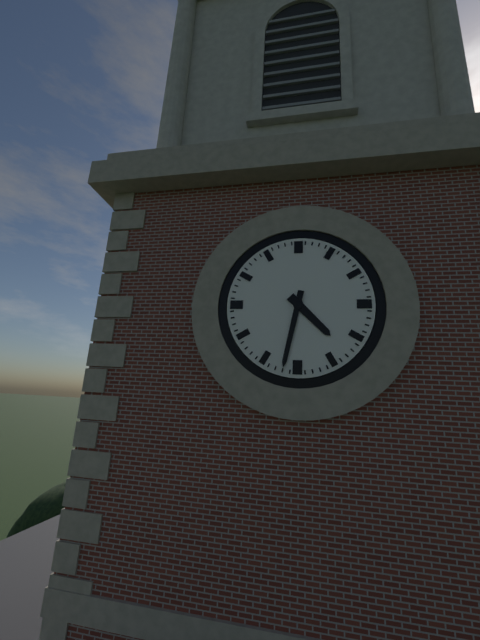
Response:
4h32
